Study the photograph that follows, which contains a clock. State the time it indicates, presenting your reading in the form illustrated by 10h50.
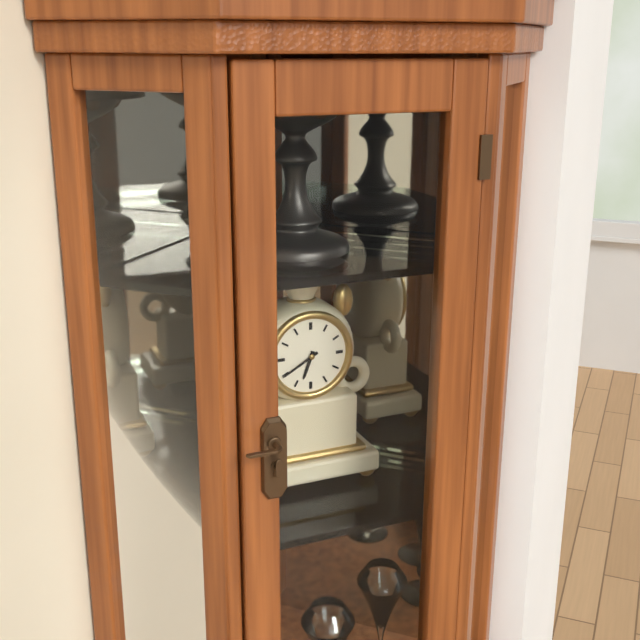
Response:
6h40
